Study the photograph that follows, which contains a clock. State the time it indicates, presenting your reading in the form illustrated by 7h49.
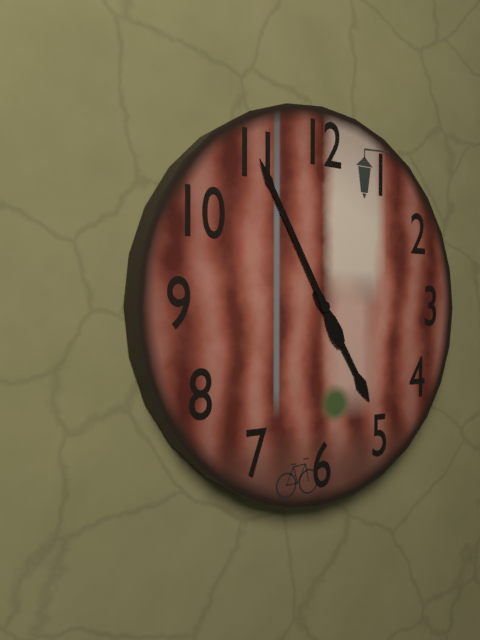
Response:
4h55
